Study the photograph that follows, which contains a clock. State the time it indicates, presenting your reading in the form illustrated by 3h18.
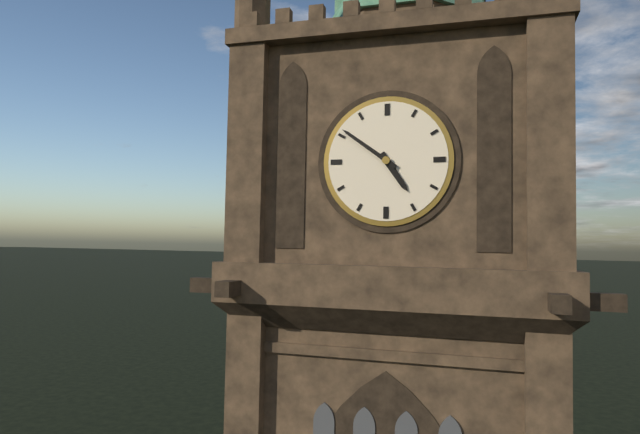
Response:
4h51
